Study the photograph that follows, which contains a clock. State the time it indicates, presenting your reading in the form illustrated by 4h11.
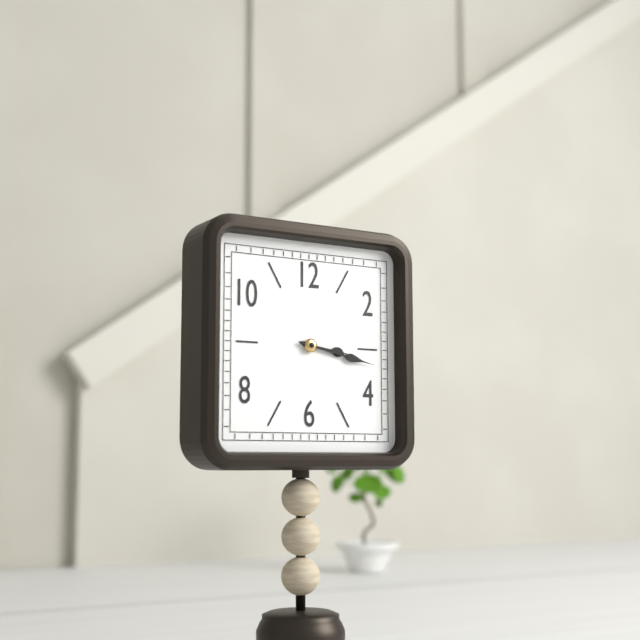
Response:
3h17
